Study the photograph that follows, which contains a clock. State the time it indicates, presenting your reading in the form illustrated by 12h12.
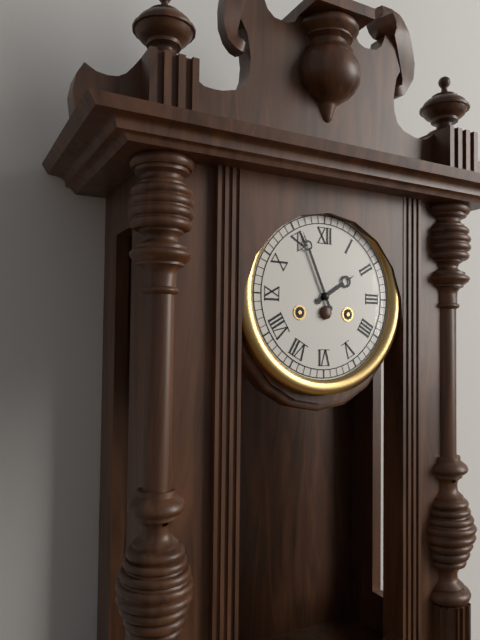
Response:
1h56
